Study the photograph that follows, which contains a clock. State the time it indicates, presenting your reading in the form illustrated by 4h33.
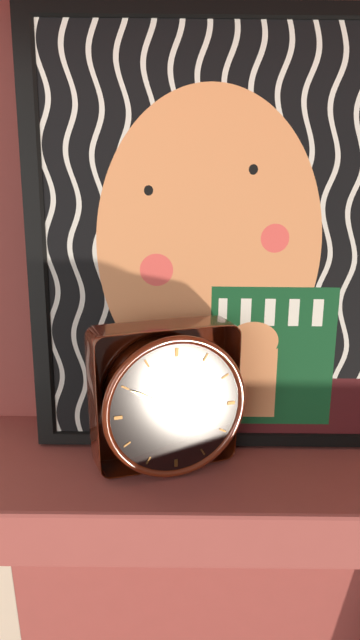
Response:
11h50
